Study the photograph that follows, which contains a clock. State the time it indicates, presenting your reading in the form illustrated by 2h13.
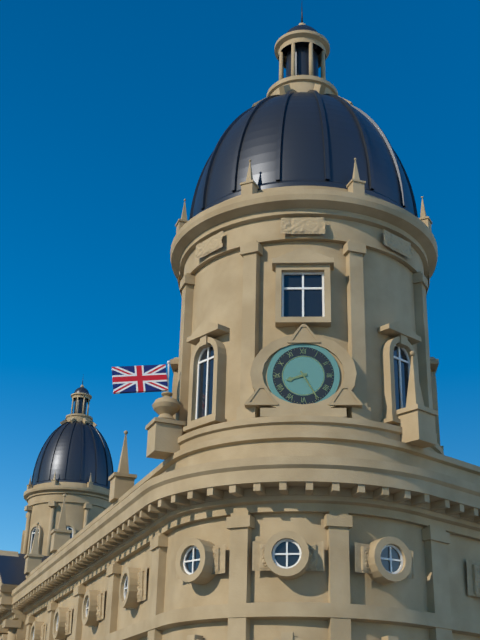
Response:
8h25
